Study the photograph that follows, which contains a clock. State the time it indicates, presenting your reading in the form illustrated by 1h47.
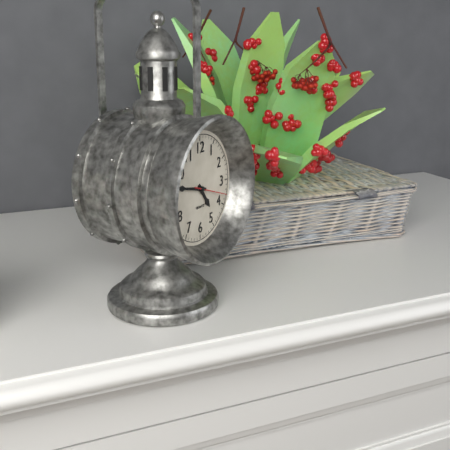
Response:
4h47
